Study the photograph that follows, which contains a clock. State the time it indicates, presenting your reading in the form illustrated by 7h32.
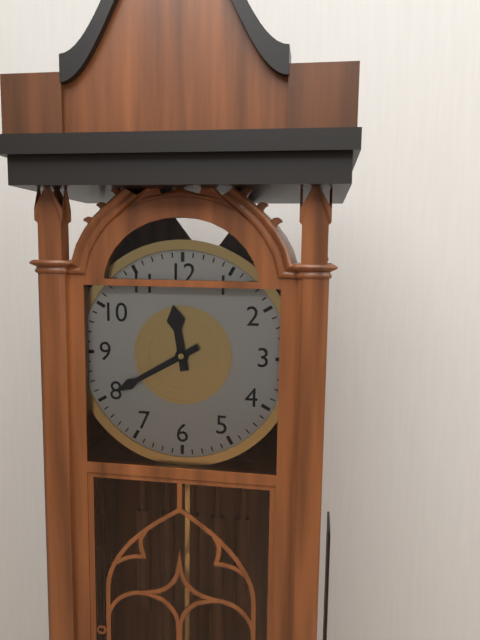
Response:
11h40
